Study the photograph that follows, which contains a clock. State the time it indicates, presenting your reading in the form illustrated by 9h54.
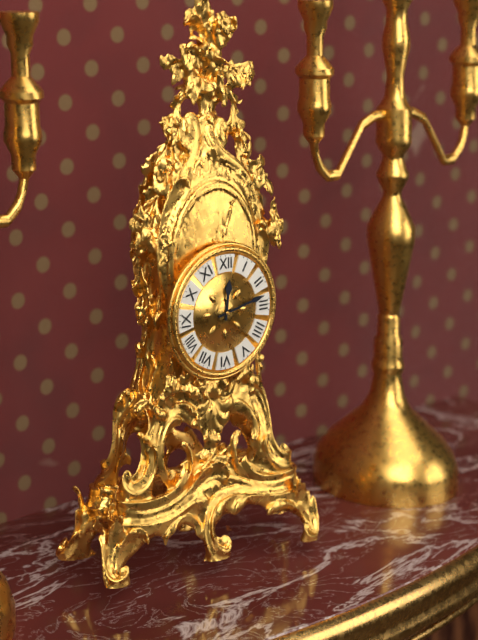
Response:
12h13
